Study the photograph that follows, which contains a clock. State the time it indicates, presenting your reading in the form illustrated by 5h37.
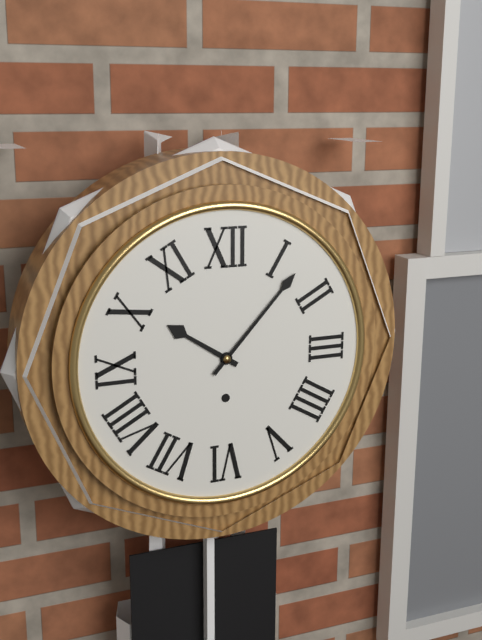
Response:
10h07
